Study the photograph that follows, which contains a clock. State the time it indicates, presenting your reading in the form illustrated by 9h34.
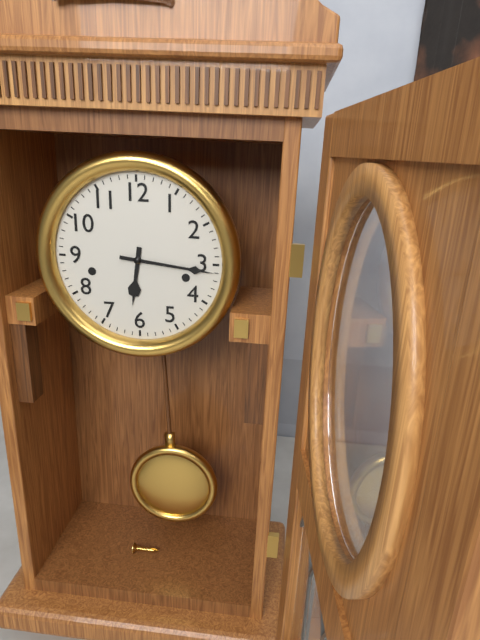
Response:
6h16
